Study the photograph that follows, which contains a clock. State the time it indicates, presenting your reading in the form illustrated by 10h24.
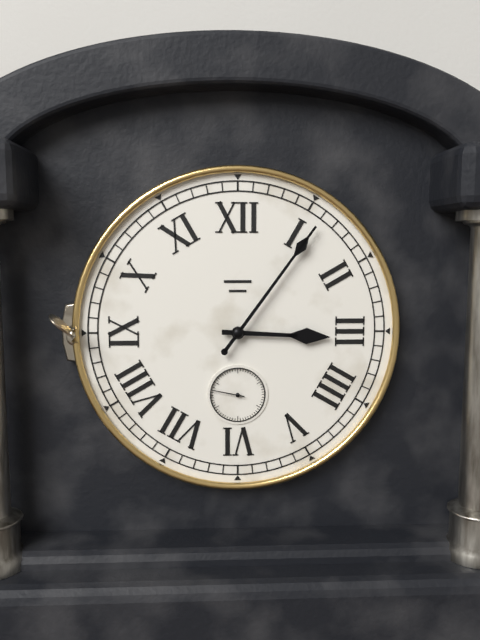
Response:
3h06
